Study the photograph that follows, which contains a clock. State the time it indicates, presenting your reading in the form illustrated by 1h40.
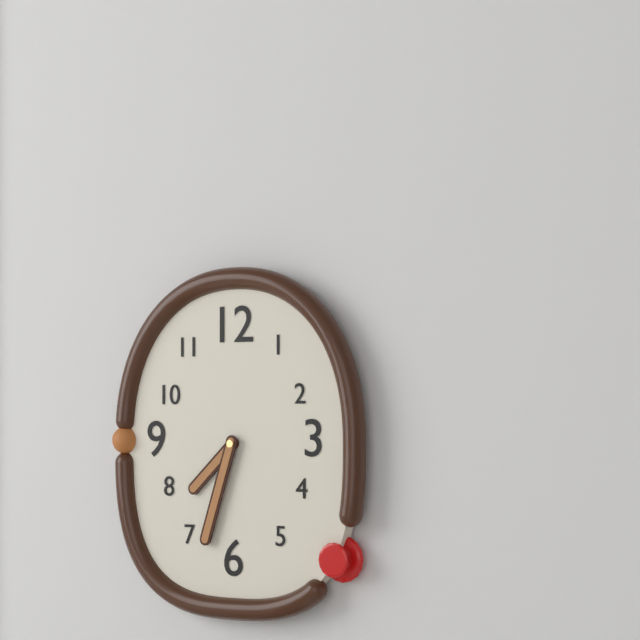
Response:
7h33
